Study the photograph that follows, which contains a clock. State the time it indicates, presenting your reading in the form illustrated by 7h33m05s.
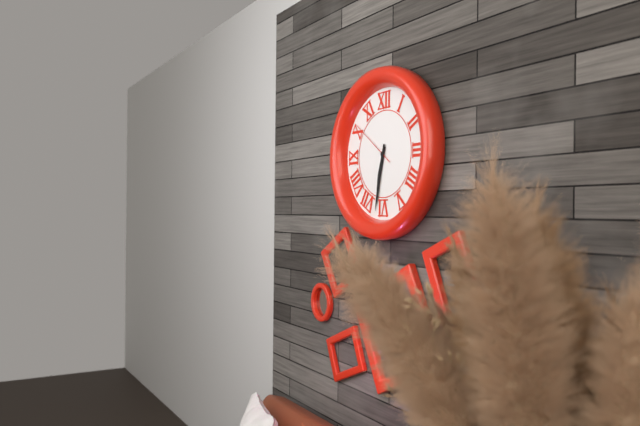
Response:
6h32m51s
